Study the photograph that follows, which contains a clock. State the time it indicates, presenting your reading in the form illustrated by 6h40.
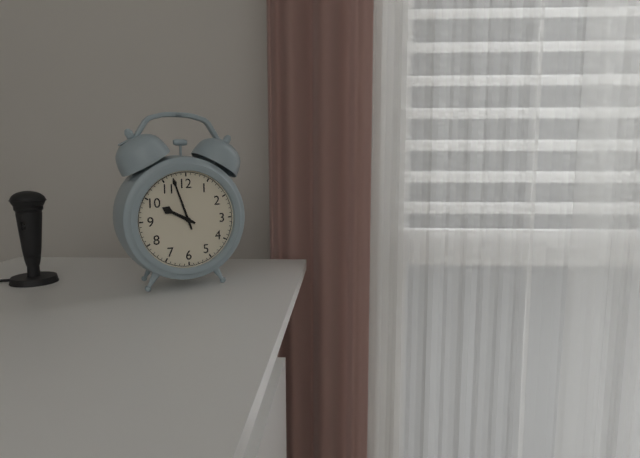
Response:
9h57
